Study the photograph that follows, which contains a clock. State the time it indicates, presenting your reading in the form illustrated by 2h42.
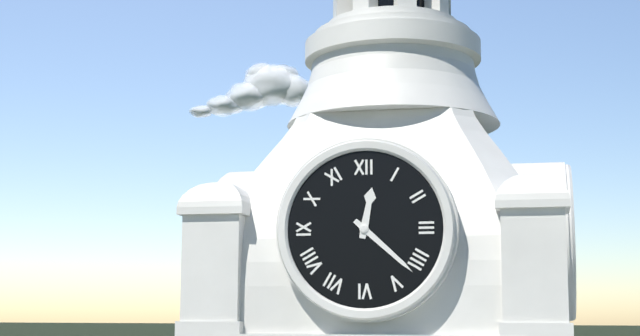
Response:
12h22
